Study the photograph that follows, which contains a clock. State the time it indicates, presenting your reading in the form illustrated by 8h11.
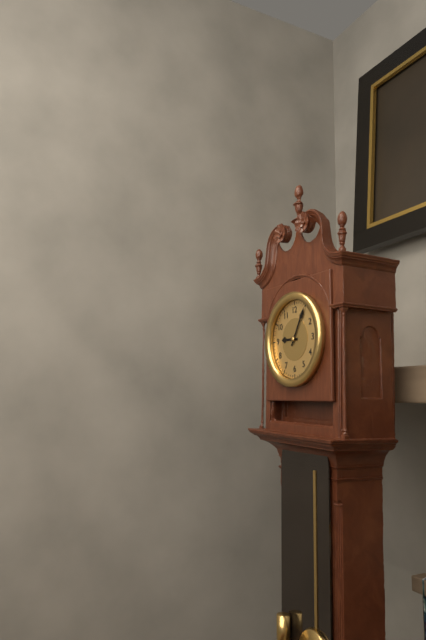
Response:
9h05
